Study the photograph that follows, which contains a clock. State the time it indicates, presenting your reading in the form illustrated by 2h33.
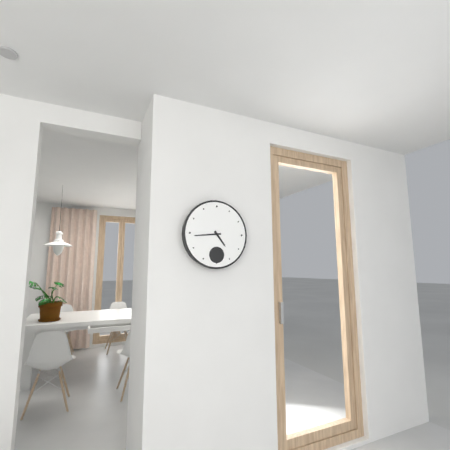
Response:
4h44
